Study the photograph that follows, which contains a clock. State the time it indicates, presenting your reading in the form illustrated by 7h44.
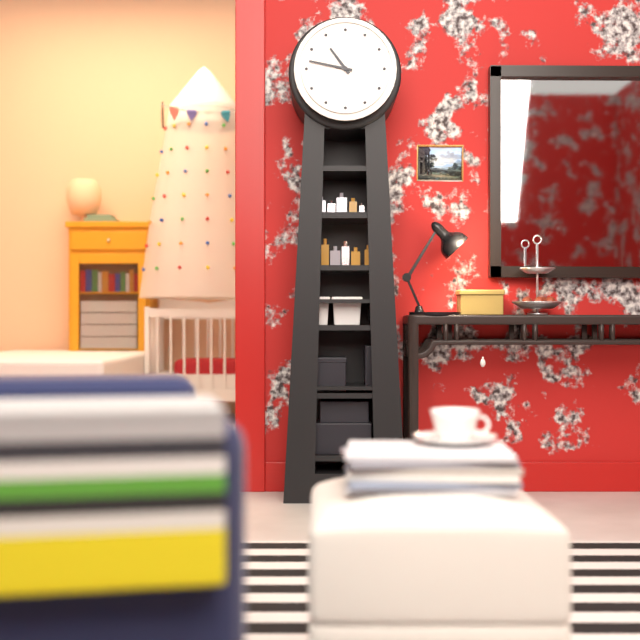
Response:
10h47
